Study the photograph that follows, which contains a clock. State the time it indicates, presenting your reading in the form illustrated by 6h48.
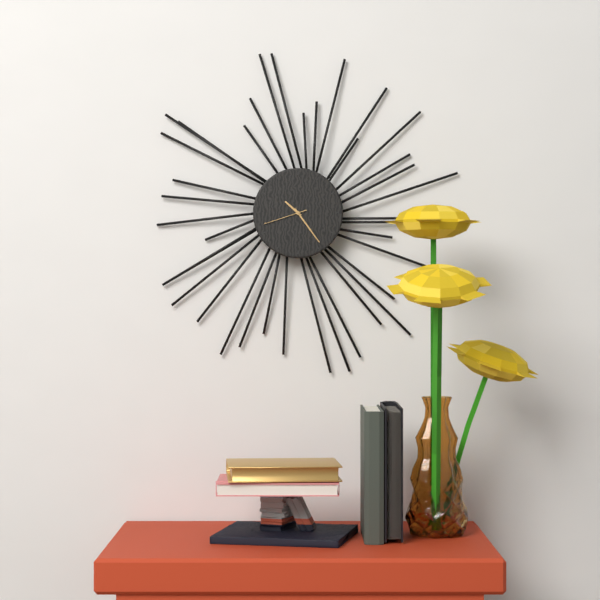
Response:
10h24
